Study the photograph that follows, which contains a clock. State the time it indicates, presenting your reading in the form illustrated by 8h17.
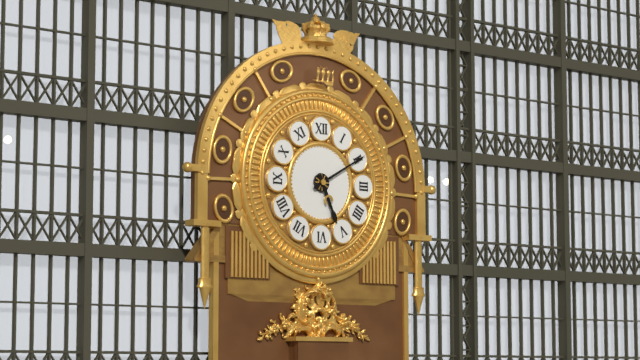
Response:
5h10
